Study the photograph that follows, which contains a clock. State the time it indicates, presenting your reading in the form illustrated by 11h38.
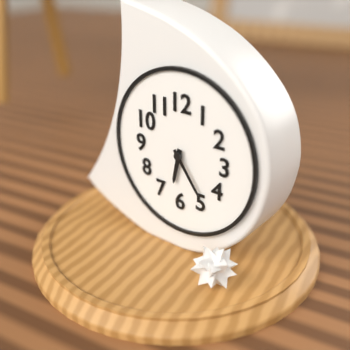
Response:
6h24
